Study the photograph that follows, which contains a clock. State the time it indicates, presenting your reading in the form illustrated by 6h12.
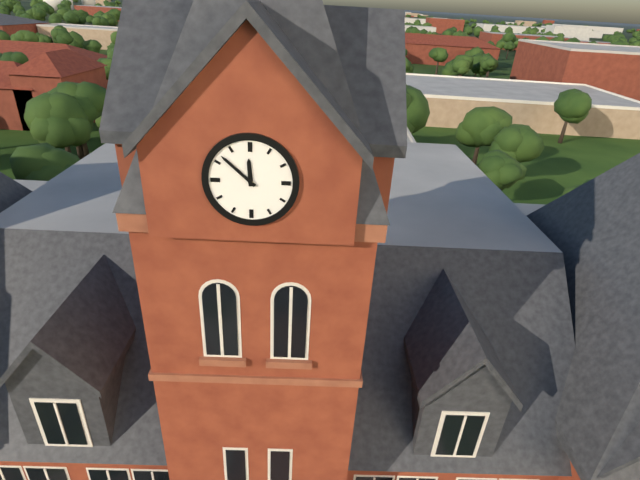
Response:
11h52
